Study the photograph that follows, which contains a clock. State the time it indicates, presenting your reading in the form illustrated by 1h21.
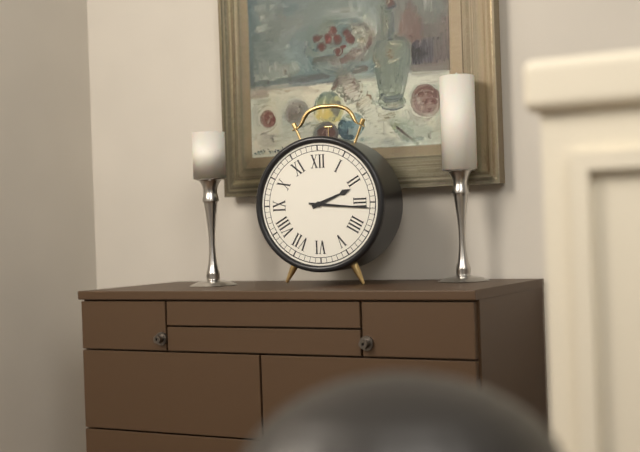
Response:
2h16
